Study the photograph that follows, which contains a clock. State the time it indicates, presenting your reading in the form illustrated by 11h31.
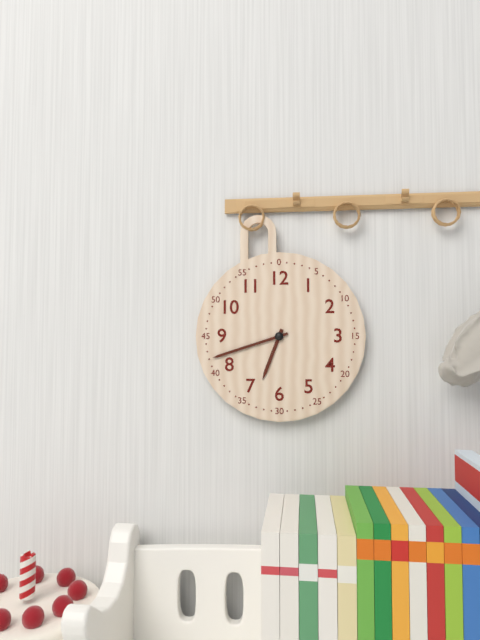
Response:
6h42
